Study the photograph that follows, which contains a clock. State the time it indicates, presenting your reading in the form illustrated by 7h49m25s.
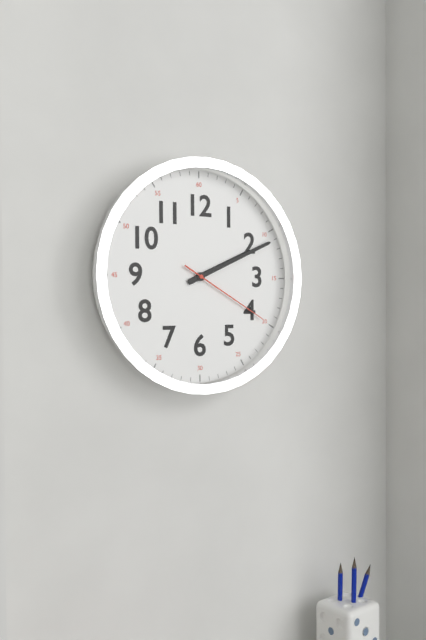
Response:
2h11m20s
